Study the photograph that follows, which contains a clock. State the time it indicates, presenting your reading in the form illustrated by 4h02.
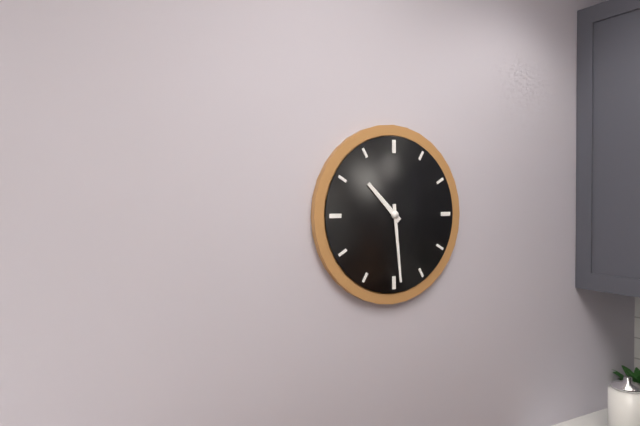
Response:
10h29
